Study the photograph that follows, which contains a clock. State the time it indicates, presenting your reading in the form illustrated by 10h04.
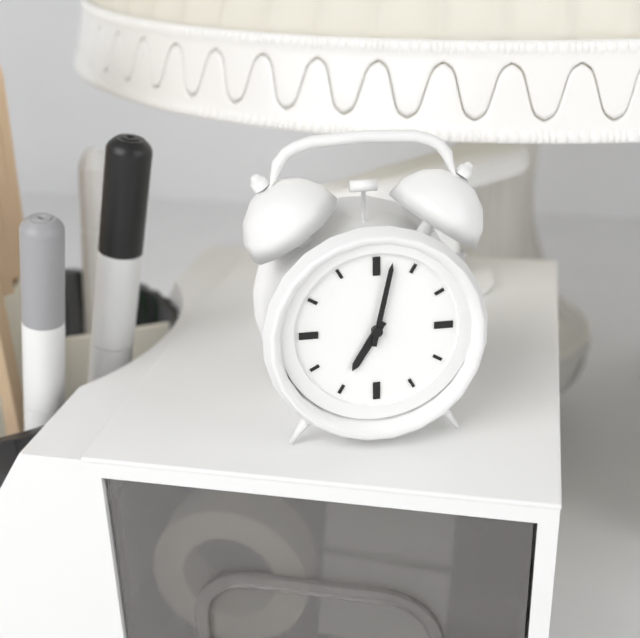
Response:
7h02
